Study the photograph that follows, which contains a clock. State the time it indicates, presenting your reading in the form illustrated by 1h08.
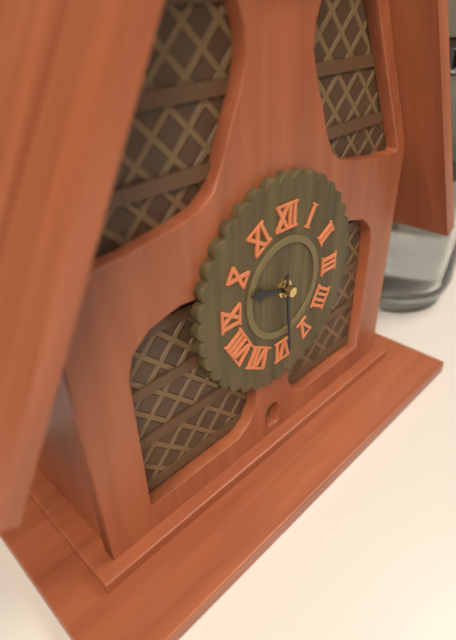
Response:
9h29
